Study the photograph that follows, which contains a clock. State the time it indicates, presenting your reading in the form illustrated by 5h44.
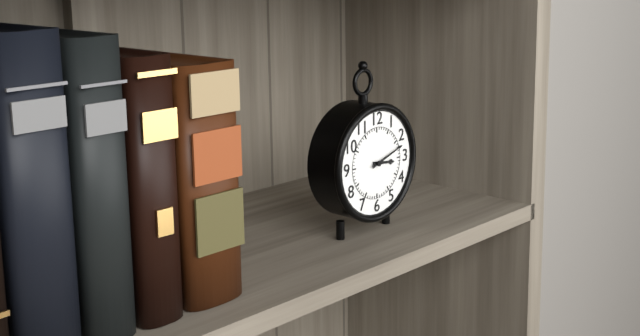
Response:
3h12
